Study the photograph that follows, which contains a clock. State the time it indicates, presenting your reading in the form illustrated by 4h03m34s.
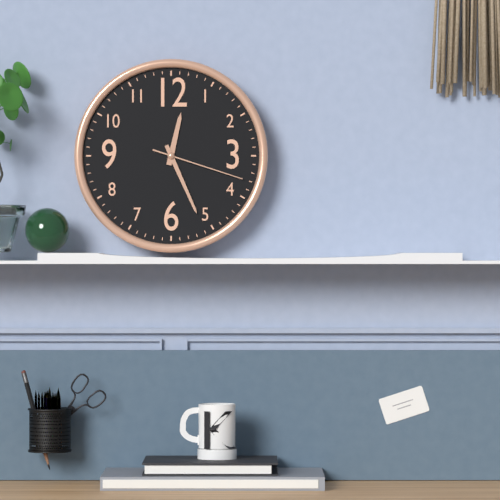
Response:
12h26m18s
